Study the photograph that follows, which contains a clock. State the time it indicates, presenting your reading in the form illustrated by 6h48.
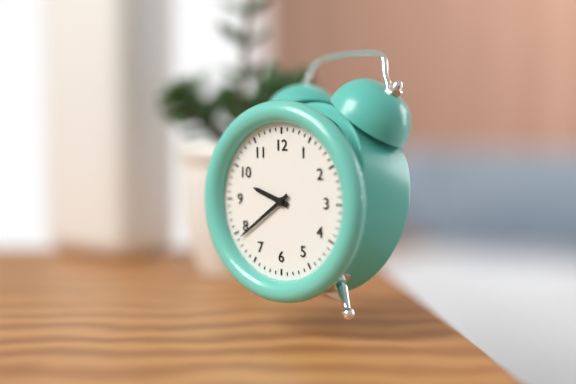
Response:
9h39
